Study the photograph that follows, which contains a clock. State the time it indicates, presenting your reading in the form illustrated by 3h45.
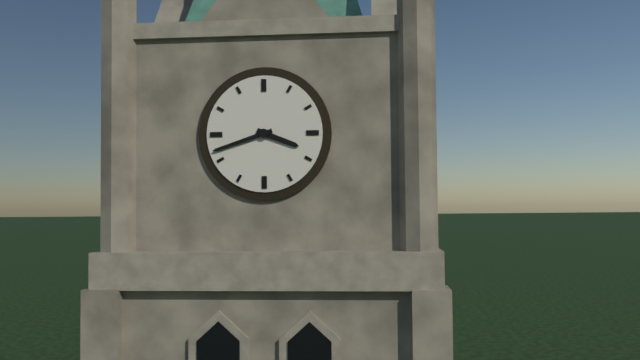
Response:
3h42
